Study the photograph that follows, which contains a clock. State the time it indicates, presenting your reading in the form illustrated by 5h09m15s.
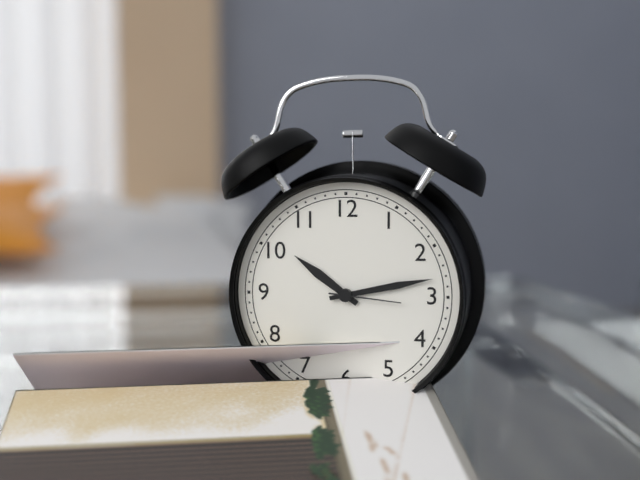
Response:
10h13m16s
